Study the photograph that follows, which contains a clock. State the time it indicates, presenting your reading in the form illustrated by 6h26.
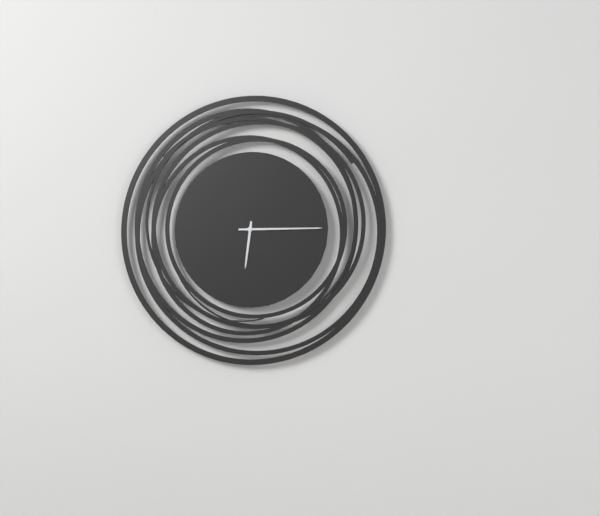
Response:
6h15
